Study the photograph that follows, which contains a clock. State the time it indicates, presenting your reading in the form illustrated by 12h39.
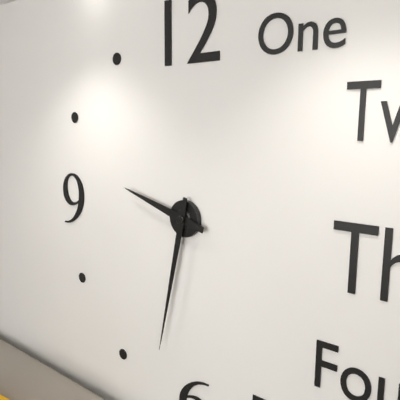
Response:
9h32
